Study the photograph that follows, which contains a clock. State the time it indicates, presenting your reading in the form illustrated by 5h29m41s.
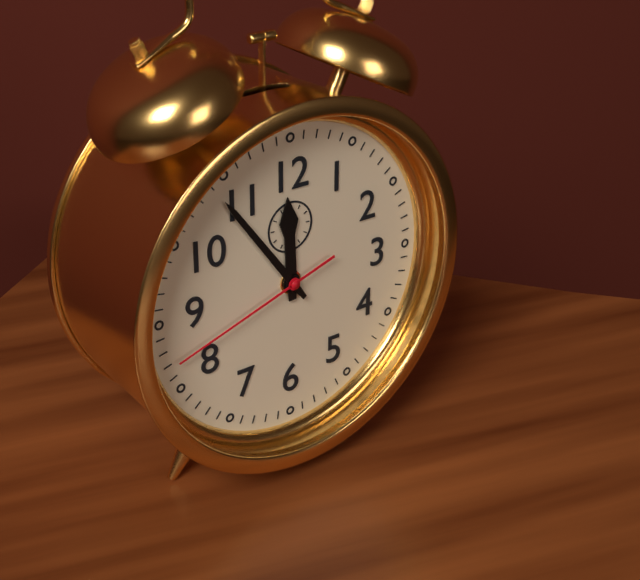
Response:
11h54m42s
